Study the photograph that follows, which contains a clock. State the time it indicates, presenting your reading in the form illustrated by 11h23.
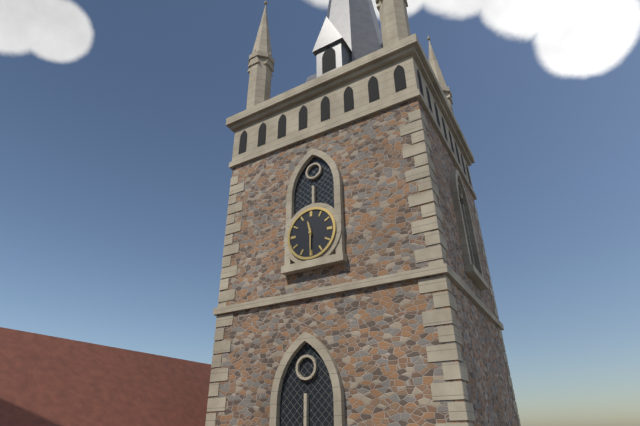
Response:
11h30
